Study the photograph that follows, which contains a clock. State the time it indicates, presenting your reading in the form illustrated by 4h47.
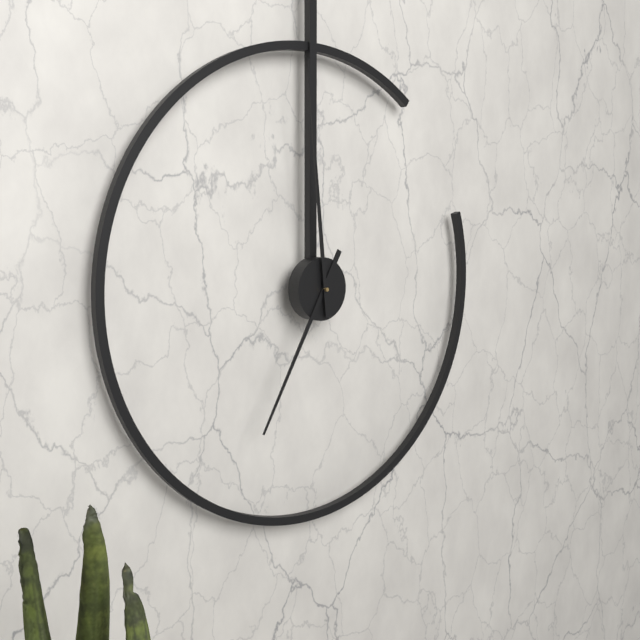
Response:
6h59
